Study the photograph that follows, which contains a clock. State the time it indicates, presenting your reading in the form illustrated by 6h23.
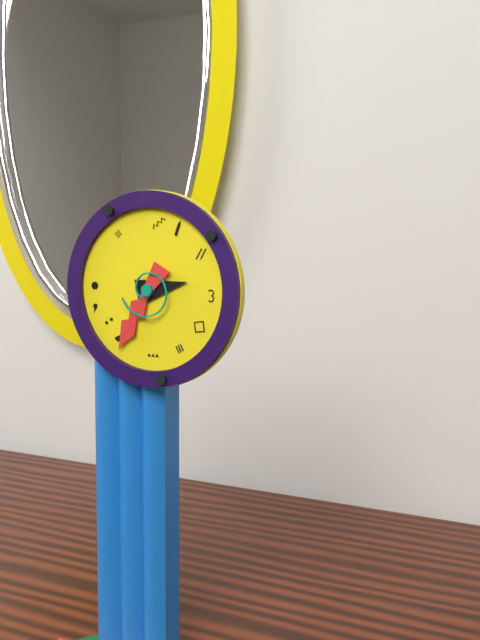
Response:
2h35
